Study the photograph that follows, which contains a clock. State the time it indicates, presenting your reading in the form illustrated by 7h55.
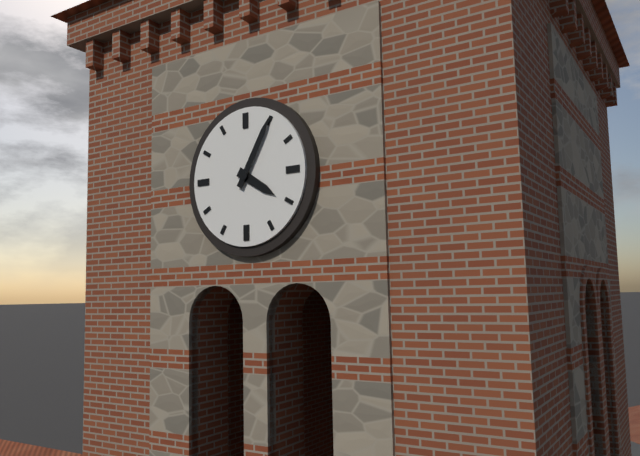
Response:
4h05
